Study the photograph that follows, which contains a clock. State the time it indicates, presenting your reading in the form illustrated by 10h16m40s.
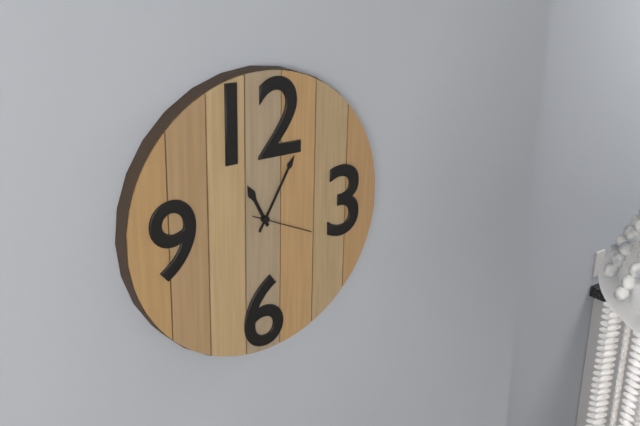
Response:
11h05m19s
